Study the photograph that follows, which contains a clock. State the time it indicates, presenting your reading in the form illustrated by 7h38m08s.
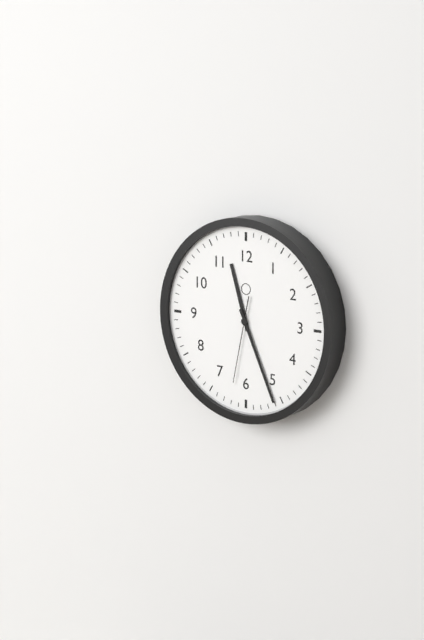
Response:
11h26m32s
